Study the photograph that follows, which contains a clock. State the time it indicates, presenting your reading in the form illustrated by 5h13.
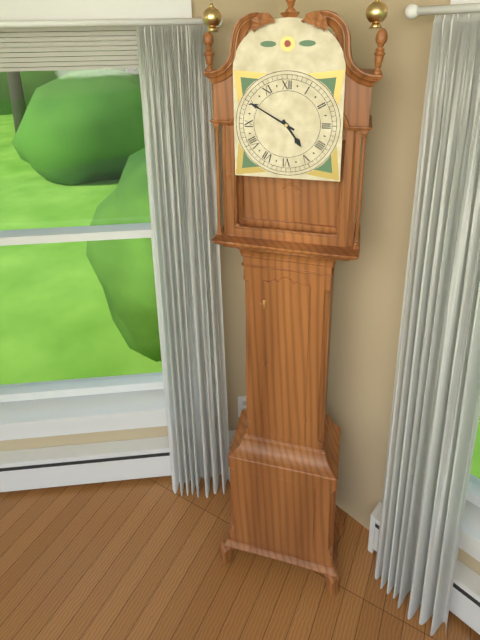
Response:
4h50
